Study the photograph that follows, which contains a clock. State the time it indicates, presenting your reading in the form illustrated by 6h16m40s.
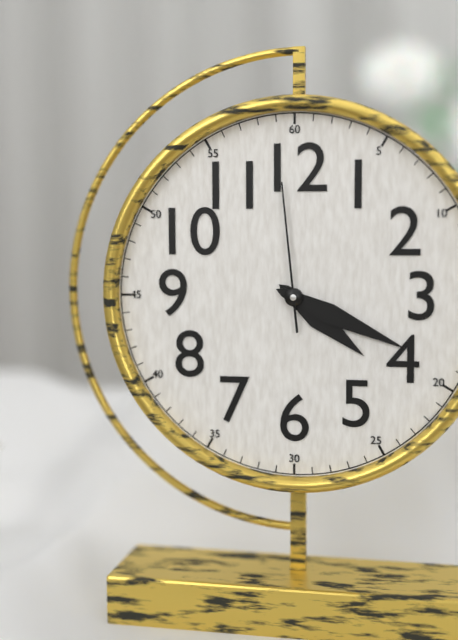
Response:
4h19m59s
